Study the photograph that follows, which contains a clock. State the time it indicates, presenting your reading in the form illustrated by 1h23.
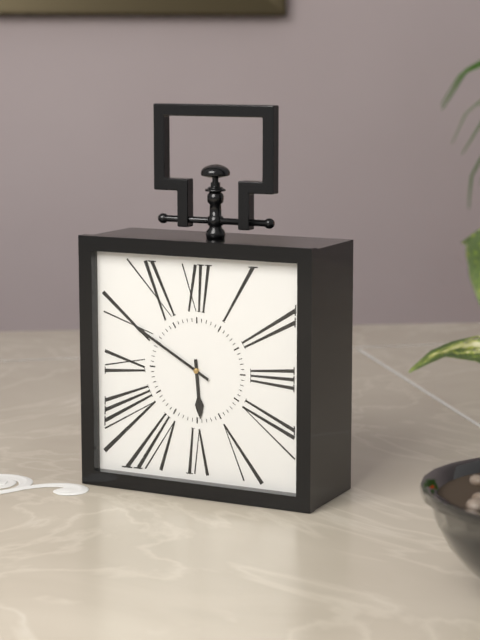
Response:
5h50
